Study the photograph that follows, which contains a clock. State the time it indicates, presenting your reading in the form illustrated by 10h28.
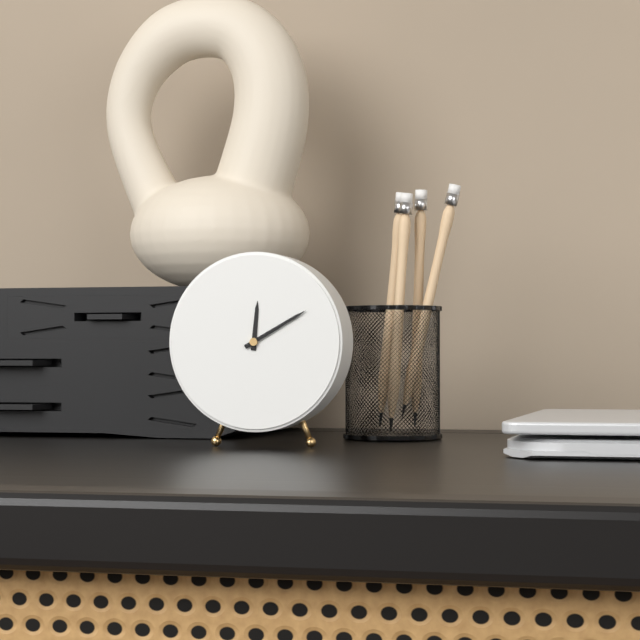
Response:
12h10
